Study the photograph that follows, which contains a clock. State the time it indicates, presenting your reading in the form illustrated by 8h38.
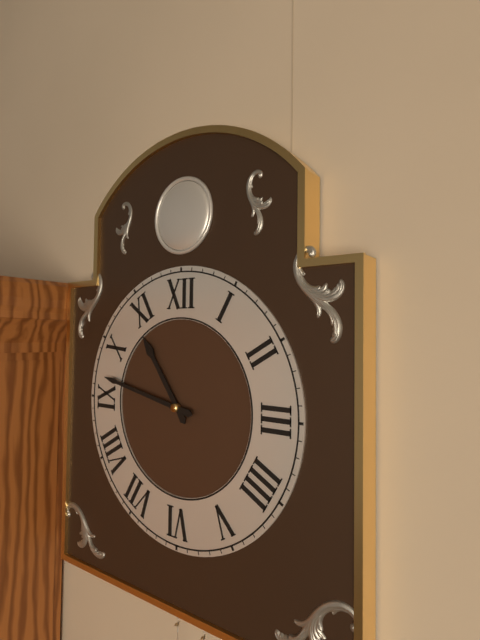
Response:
10h47
